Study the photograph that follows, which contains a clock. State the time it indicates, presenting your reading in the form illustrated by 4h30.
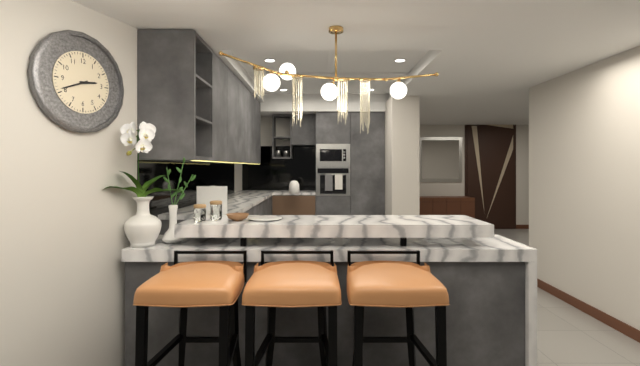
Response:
2h41
